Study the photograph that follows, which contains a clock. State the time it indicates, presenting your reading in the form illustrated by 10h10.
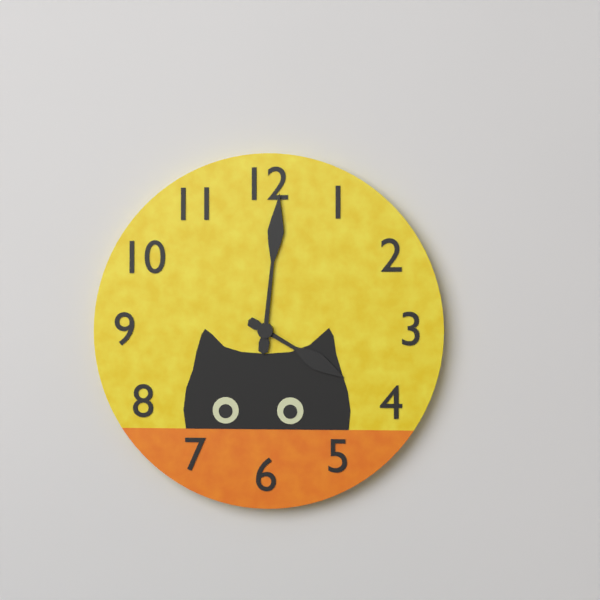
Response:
4h01
